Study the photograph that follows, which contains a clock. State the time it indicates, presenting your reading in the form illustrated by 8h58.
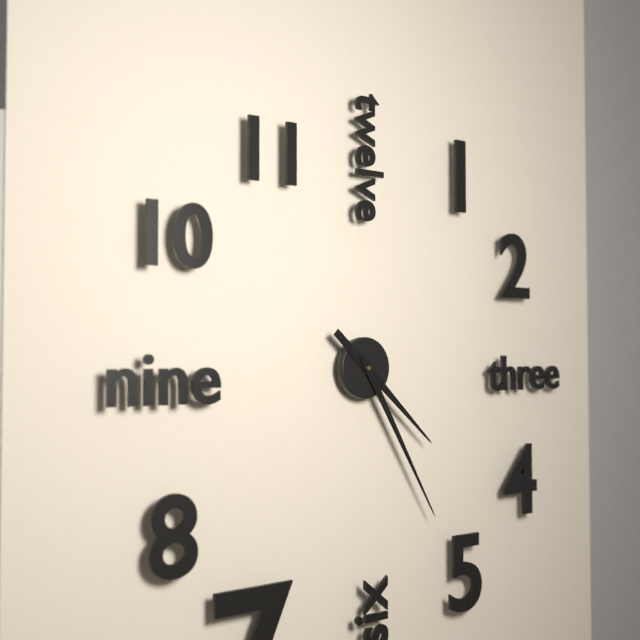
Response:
4h25
